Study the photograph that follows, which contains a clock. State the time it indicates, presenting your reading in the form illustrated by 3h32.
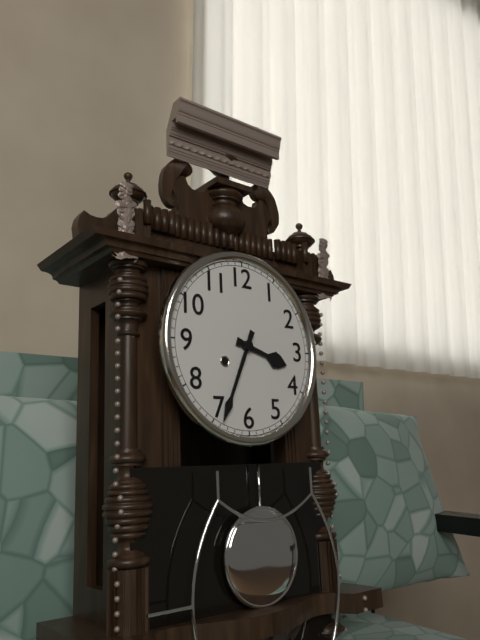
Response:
3h34
